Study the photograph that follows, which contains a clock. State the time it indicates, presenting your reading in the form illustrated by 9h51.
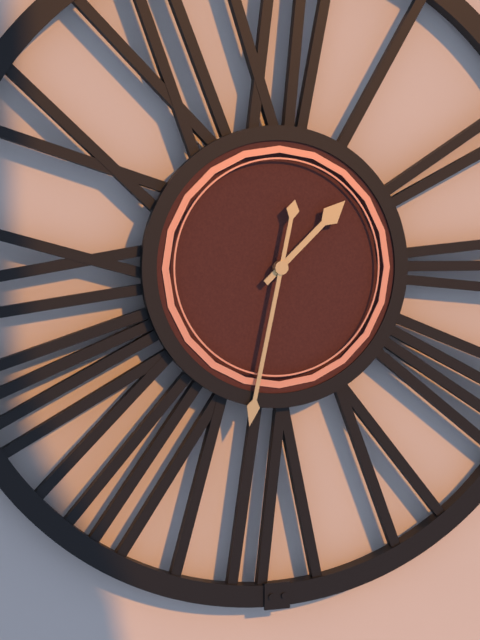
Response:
1h32
